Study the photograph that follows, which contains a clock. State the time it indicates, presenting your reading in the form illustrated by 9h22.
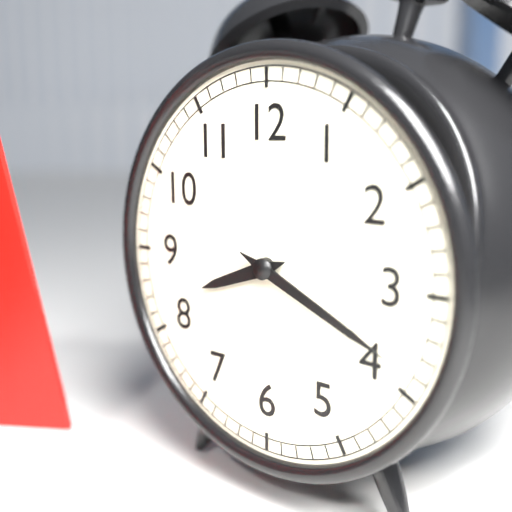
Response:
8h19
